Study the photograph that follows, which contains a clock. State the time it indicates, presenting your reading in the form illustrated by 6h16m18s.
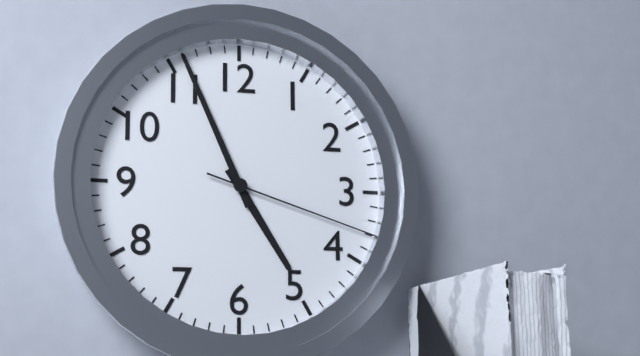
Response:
4h56m18s
